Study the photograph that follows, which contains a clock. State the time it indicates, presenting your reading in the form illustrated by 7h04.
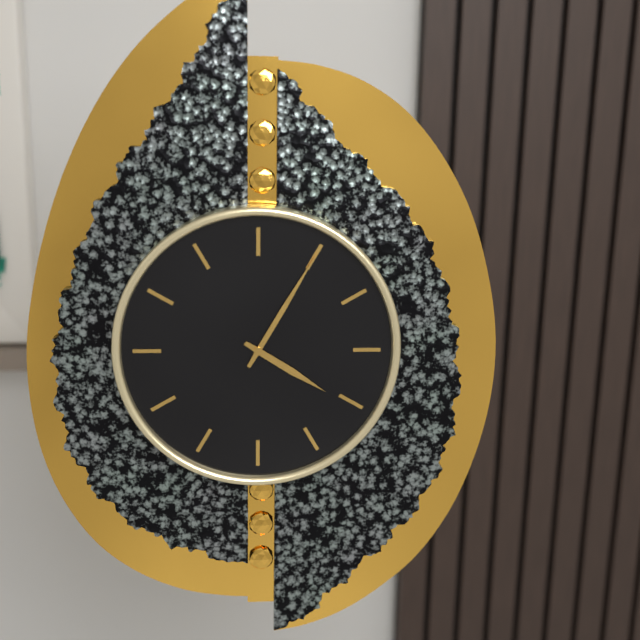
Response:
4h05
